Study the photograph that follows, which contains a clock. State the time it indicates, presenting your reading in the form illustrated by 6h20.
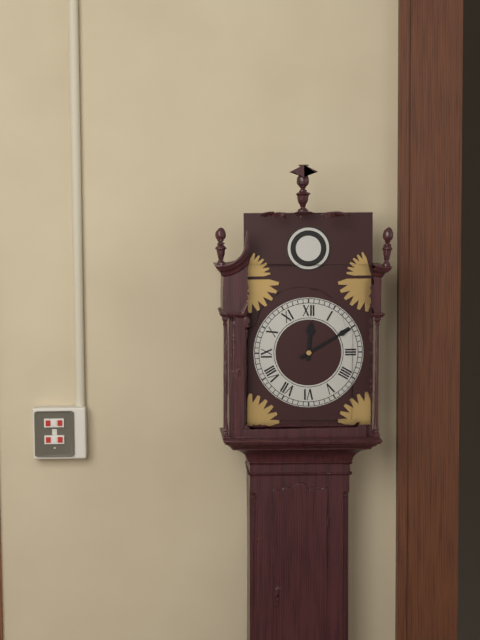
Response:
12h10
